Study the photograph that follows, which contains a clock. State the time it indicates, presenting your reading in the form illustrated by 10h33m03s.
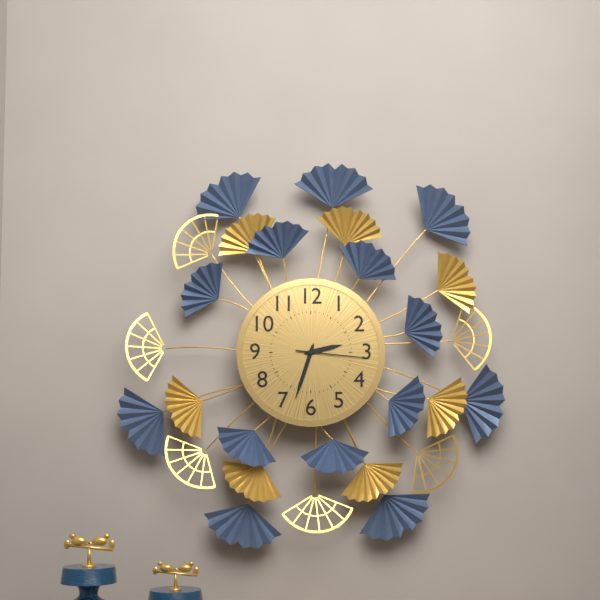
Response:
2h33m16s
